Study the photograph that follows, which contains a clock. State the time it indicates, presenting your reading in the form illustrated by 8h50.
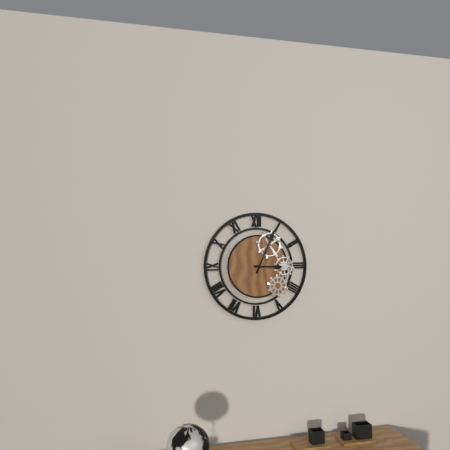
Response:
3h04
